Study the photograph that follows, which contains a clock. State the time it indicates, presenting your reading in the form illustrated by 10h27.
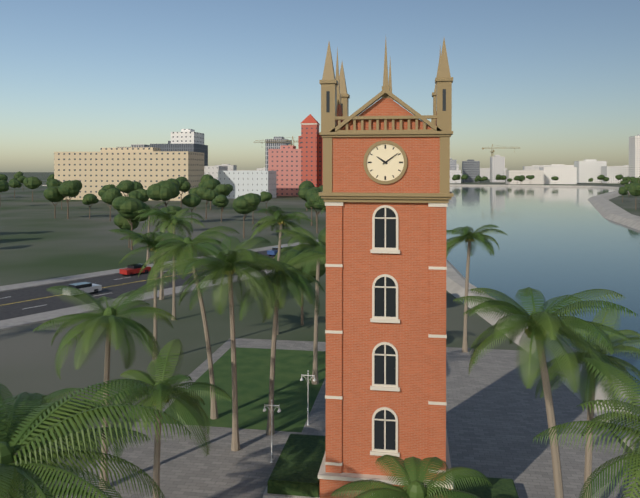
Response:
10h09
